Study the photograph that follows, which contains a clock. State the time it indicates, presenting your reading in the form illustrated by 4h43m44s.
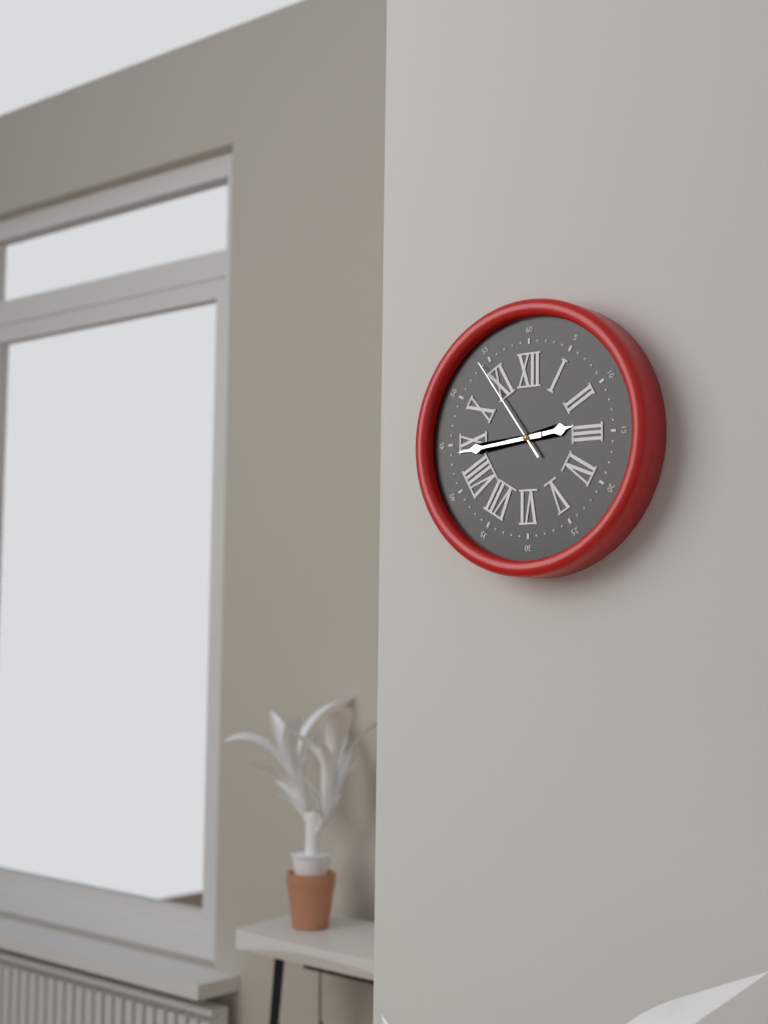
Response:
2h44m54s
